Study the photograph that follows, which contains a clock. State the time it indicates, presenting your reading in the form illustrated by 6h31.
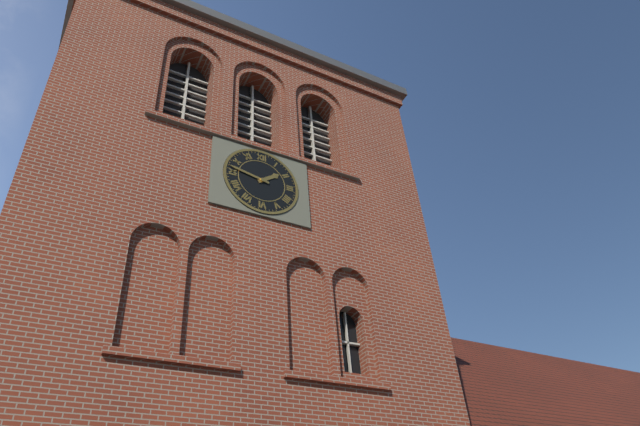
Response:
1h47
